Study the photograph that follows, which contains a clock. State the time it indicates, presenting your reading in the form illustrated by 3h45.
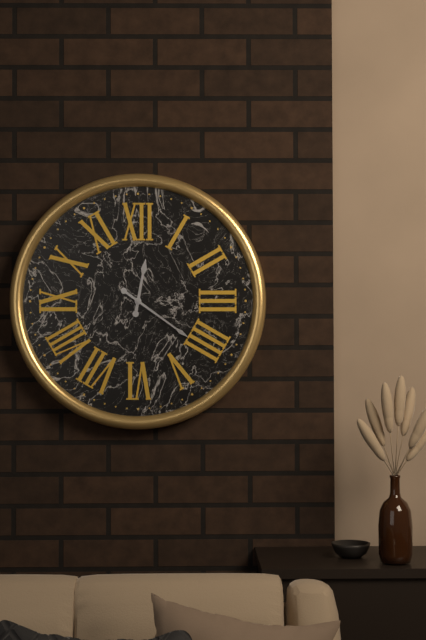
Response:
12h21
